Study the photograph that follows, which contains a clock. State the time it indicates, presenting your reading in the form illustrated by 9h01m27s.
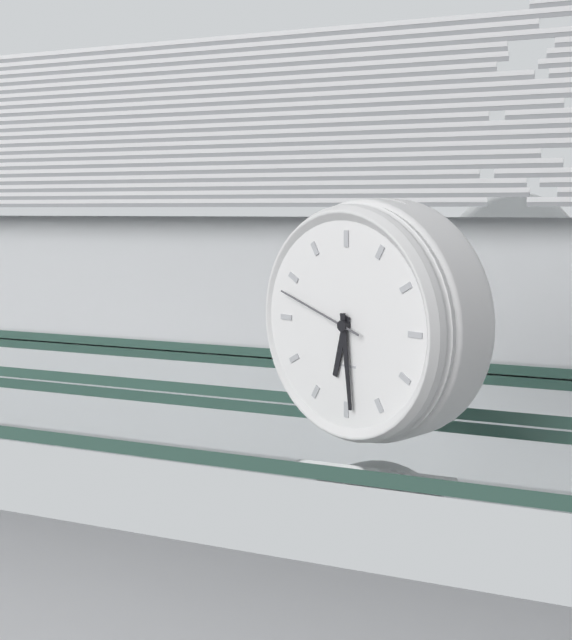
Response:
6h29m48s
